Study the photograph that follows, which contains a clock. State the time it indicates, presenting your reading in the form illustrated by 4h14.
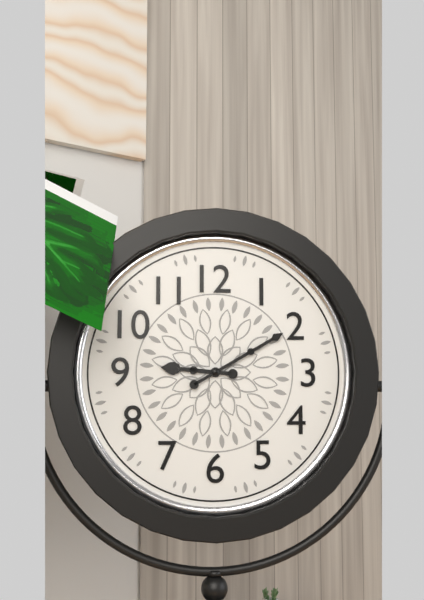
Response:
9h10
